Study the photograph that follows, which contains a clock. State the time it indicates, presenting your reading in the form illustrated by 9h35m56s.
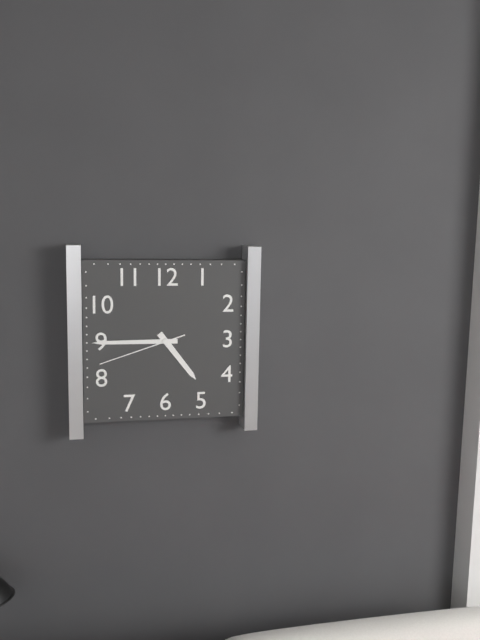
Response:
4h45m42s
